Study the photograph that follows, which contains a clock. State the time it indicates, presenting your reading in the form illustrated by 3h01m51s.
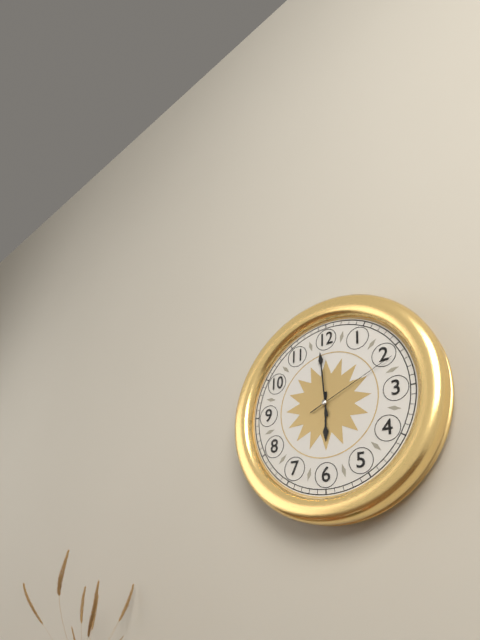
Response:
5h59m11s
